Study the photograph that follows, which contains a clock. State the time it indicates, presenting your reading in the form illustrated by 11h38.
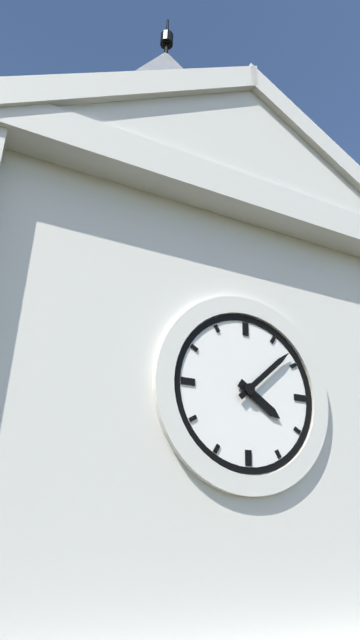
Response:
4h08
